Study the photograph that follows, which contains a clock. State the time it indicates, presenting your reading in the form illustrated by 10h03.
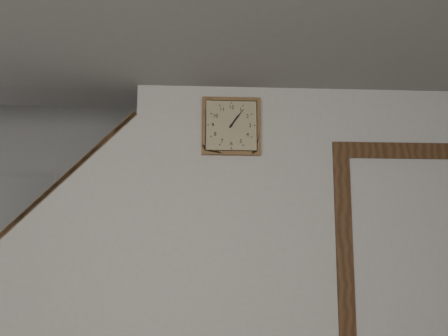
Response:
1h06
